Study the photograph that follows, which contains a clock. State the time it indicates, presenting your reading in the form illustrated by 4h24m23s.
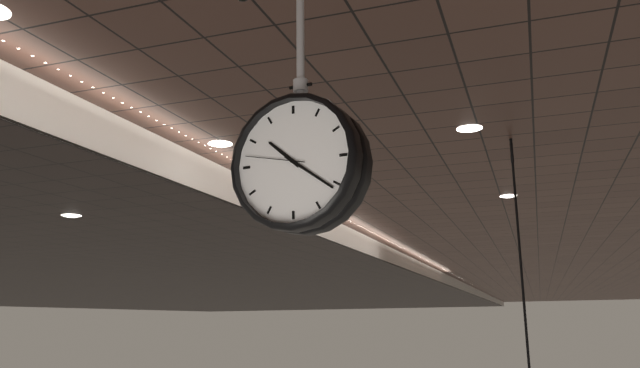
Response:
10h21m47s
